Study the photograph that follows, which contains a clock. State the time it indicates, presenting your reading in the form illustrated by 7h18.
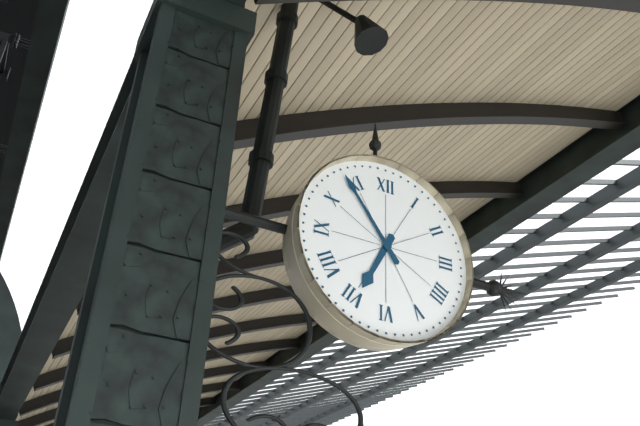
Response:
6h54
